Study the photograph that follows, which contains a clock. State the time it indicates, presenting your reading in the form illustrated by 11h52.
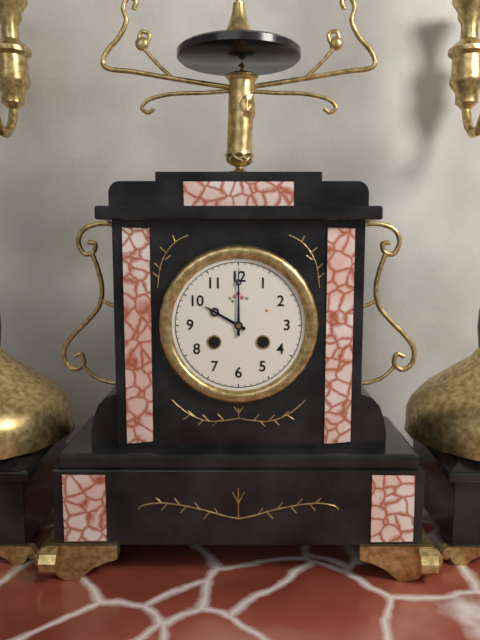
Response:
10h00
